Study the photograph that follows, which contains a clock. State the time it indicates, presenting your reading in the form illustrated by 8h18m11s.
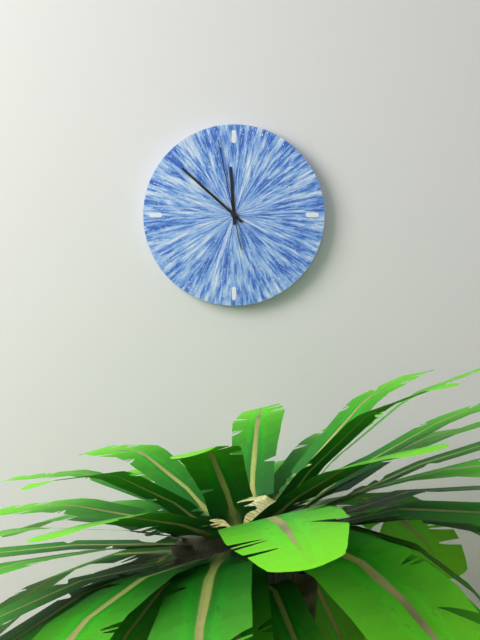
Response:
11h52m58s
